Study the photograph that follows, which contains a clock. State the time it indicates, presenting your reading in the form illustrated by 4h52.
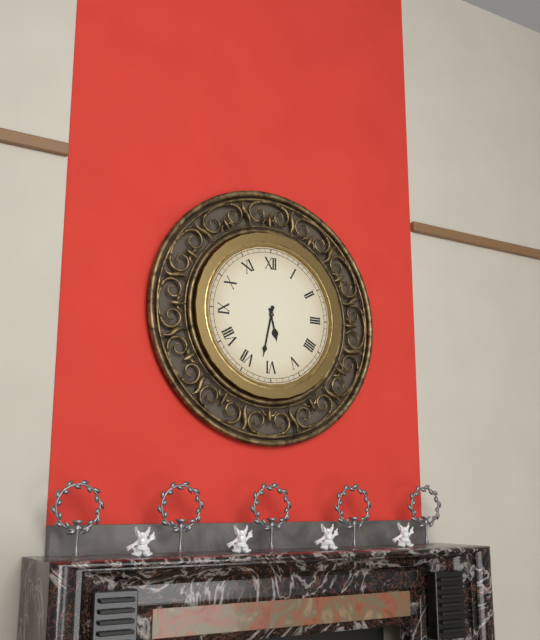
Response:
5h32
